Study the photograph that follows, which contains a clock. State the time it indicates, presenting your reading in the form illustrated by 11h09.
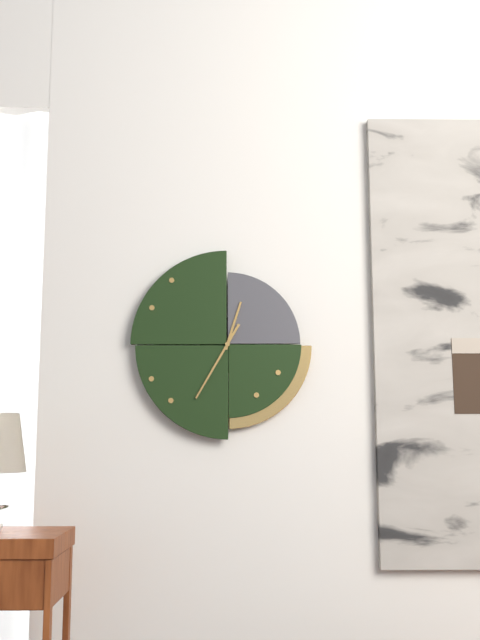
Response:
12h35
